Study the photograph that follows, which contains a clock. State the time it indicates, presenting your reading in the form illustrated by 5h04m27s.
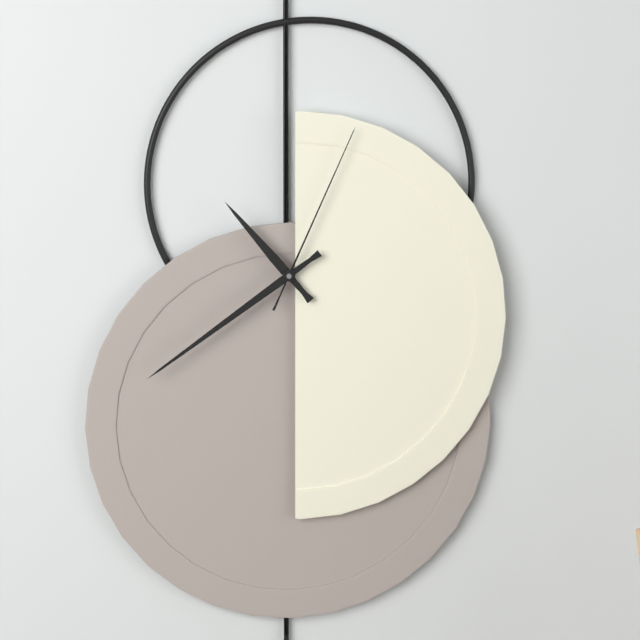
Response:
10h39m04s
